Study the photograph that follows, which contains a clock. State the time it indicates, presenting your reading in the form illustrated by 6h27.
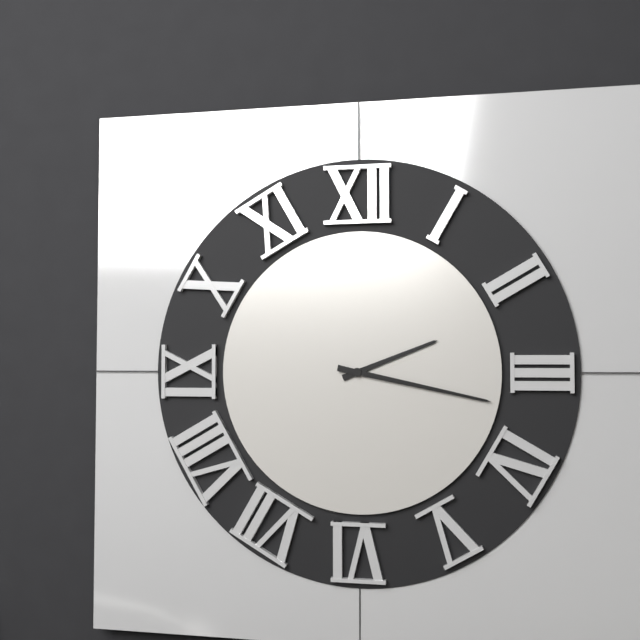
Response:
2h17
